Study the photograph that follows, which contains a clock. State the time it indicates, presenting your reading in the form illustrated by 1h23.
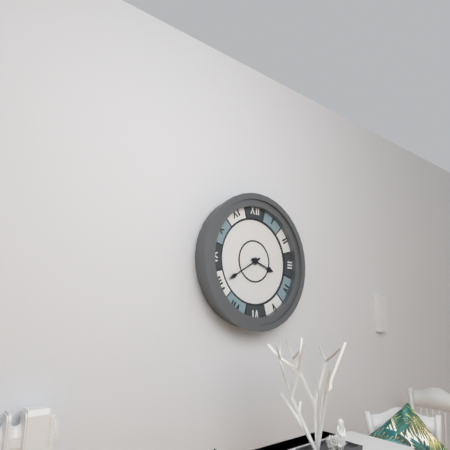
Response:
3h40
